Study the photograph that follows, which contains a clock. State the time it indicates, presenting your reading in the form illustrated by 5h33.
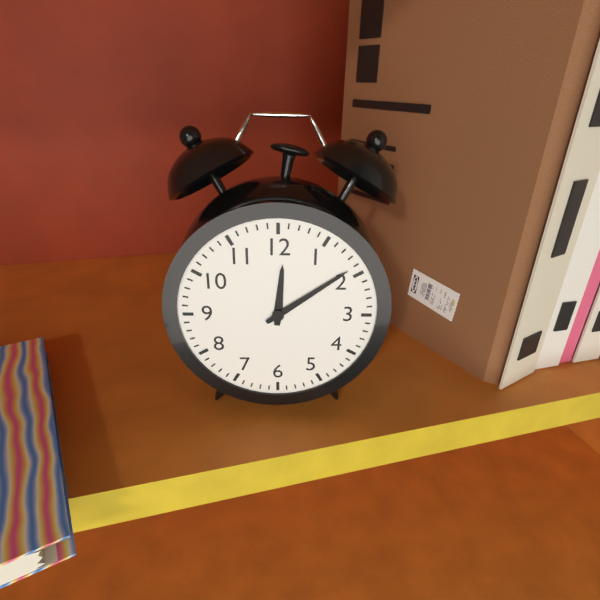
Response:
12h09
